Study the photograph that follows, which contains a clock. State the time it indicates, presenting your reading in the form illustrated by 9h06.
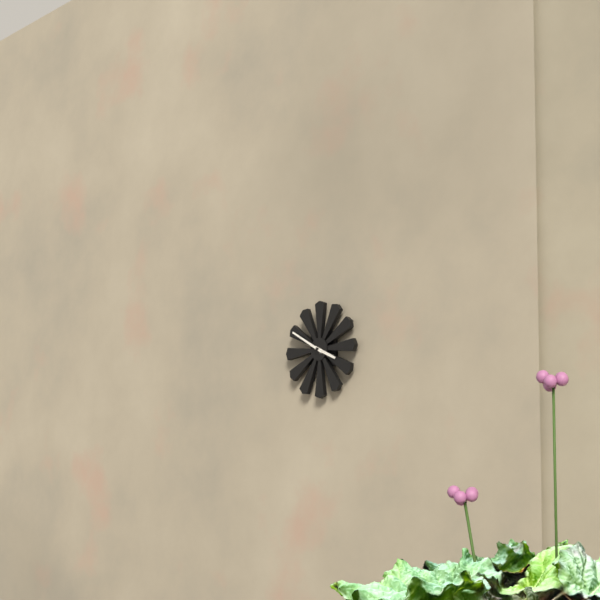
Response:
3h50
